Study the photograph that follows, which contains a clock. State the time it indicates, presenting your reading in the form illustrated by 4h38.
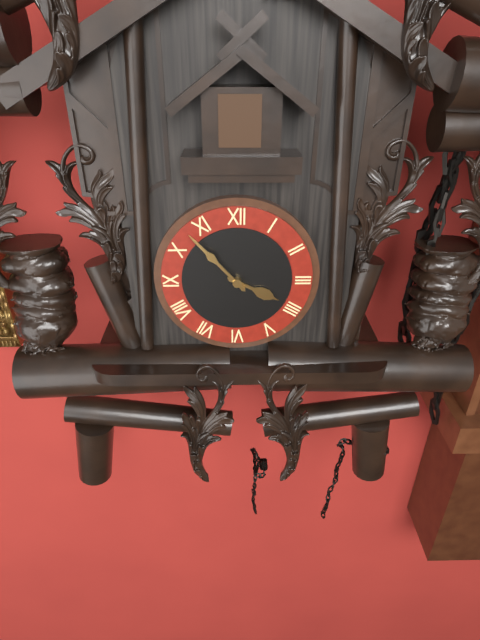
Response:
3h53
